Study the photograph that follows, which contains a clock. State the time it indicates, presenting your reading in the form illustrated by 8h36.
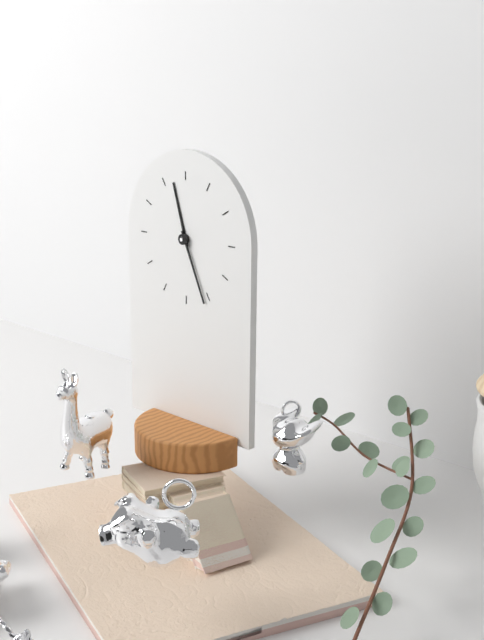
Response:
11h26
